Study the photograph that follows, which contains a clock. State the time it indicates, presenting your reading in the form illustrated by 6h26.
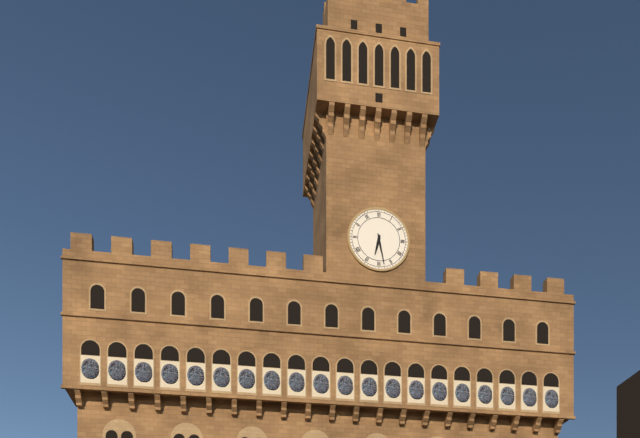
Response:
6h28
